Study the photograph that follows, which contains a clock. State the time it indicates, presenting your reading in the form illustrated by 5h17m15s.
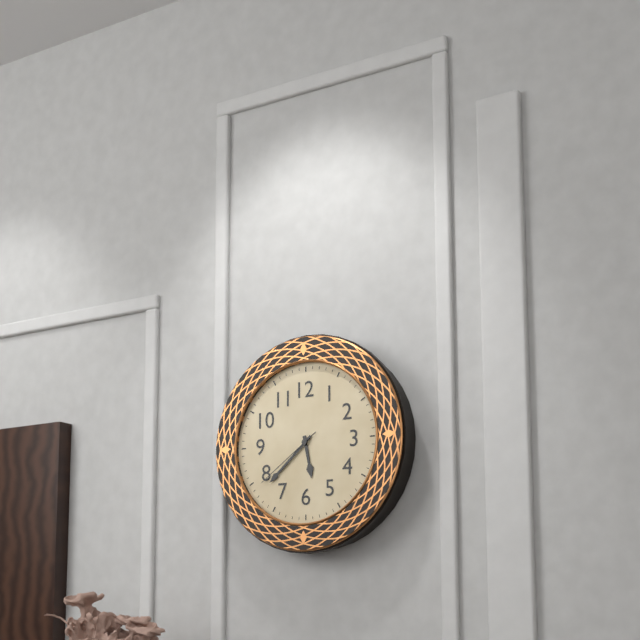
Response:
5h38m39s
